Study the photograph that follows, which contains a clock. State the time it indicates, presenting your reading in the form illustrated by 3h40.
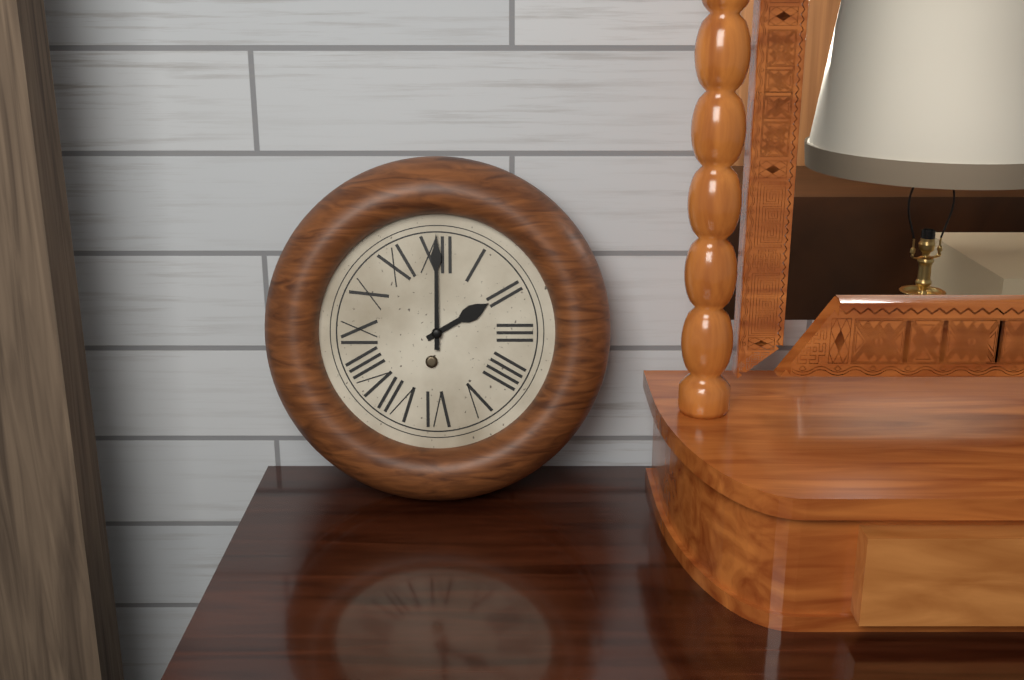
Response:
2h00
